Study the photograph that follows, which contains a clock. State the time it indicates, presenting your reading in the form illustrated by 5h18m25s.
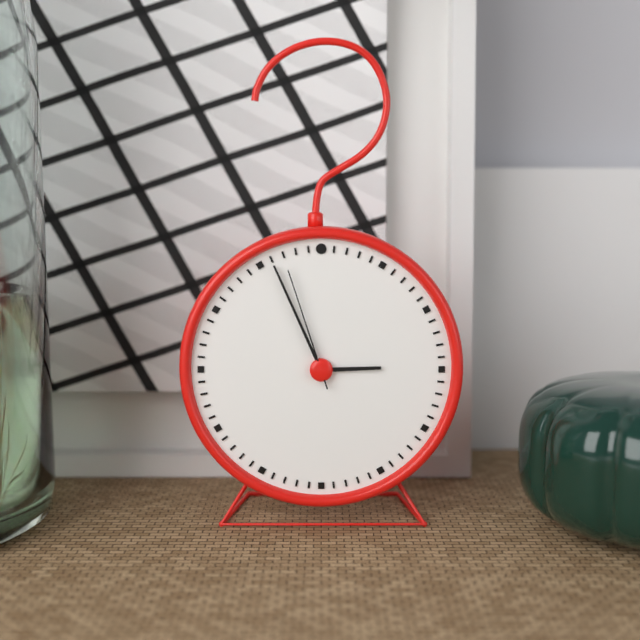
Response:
2h56m57s
